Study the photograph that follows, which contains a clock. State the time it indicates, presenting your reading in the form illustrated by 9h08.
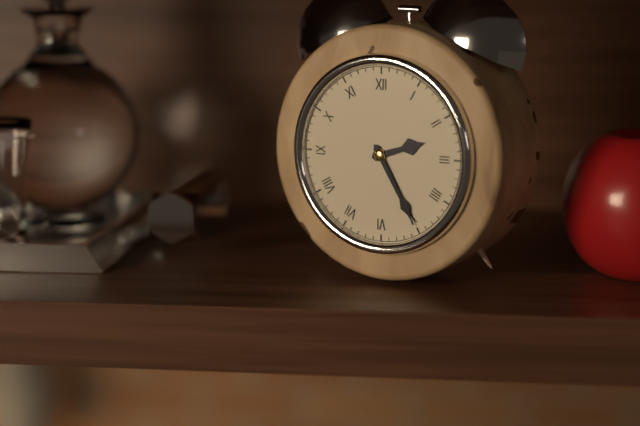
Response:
2h25
